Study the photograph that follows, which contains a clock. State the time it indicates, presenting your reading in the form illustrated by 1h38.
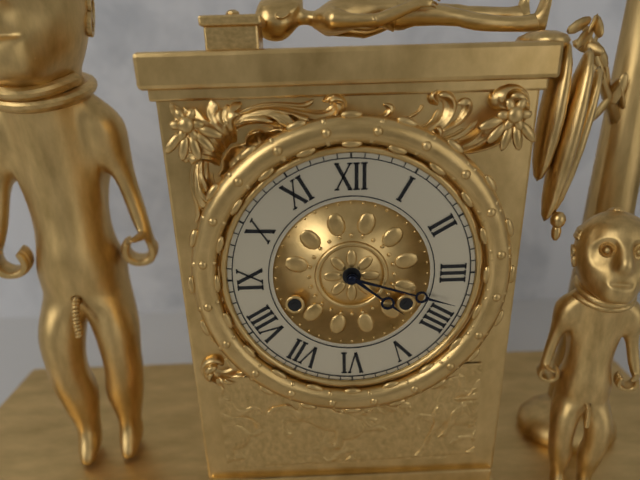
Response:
4h18
